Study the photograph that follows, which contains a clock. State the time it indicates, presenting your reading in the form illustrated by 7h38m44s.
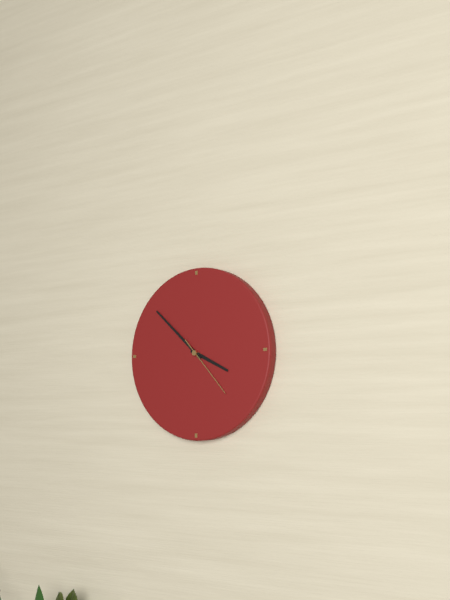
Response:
3h52m23s
